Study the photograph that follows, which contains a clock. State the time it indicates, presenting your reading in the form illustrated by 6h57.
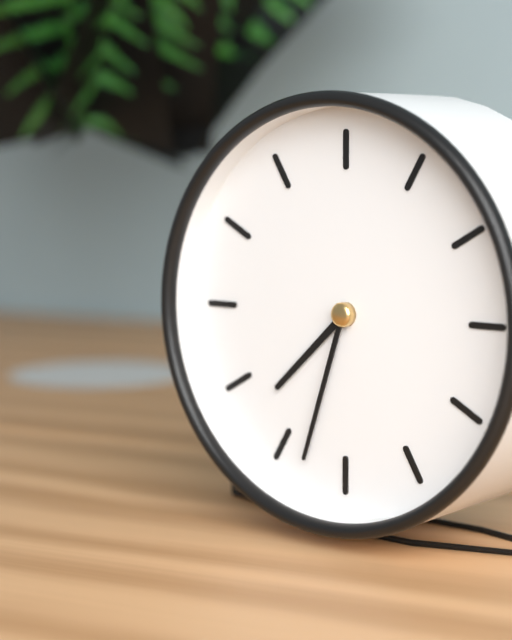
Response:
7h33
